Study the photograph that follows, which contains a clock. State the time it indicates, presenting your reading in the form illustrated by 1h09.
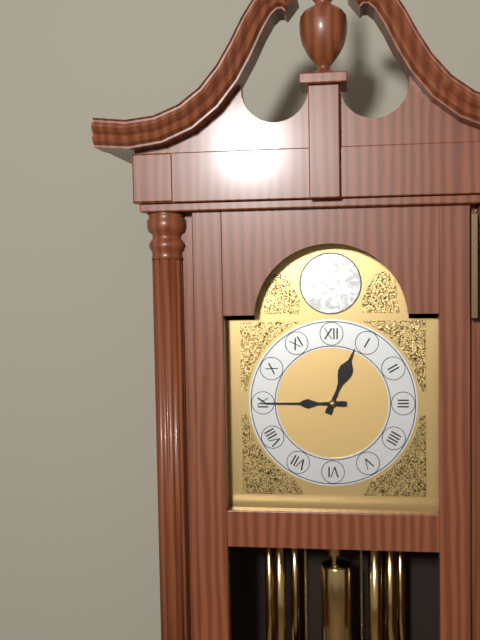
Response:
12h45
